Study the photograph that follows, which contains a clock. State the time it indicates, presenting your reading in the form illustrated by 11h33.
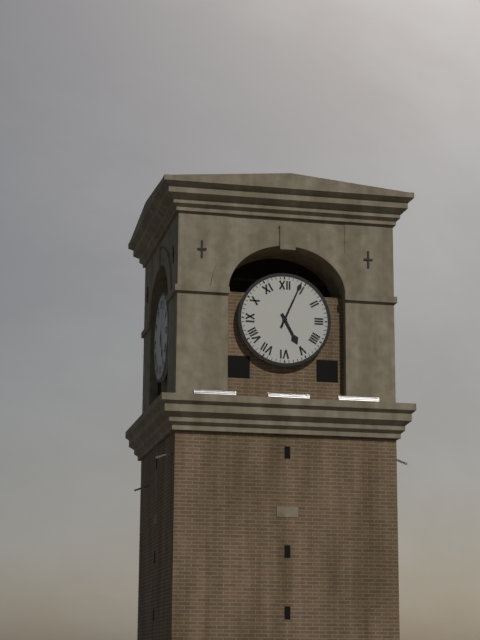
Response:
5h04
